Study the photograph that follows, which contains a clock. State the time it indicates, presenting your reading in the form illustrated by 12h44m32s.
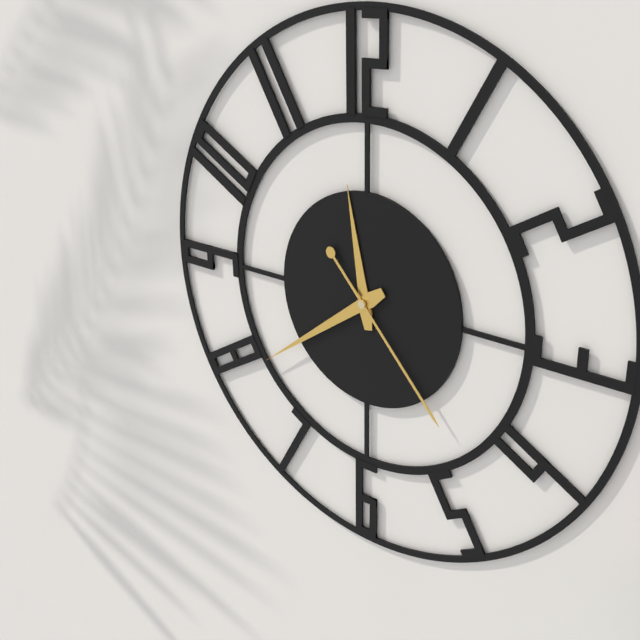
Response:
11h39m23s
